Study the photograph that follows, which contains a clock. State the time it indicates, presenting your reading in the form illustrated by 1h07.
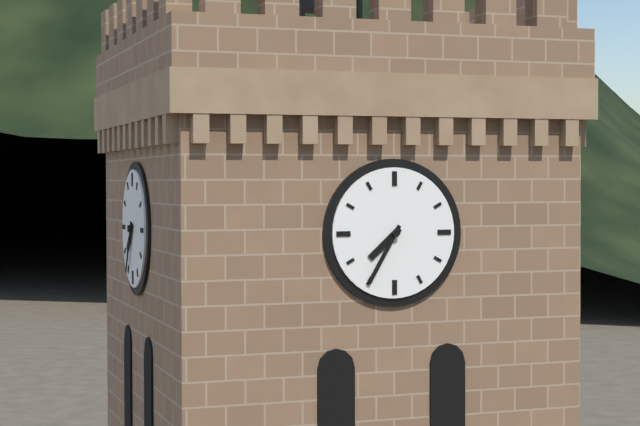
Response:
7h35
